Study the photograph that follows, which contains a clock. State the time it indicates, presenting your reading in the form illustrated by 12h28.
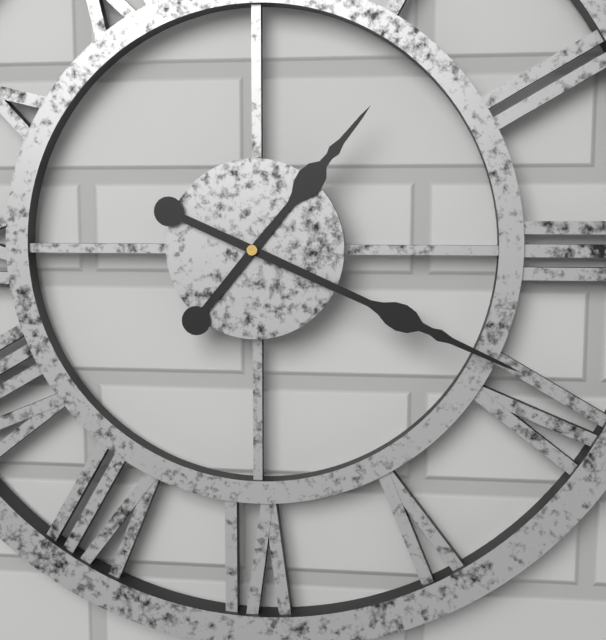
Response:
1h19
